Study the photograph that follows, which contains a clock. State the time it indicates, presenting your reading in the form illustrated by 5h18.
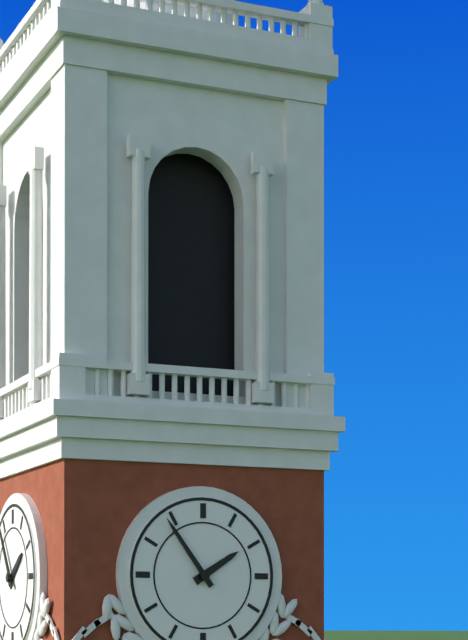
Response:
1h54
